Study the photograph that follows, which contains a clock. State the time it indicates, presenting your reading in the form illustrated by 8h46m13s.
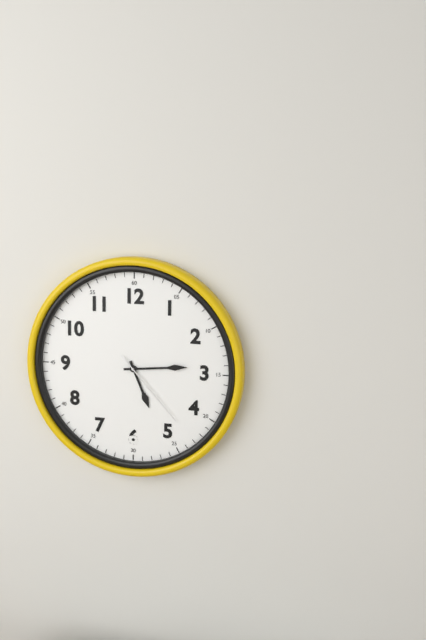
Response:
5h14m23s
